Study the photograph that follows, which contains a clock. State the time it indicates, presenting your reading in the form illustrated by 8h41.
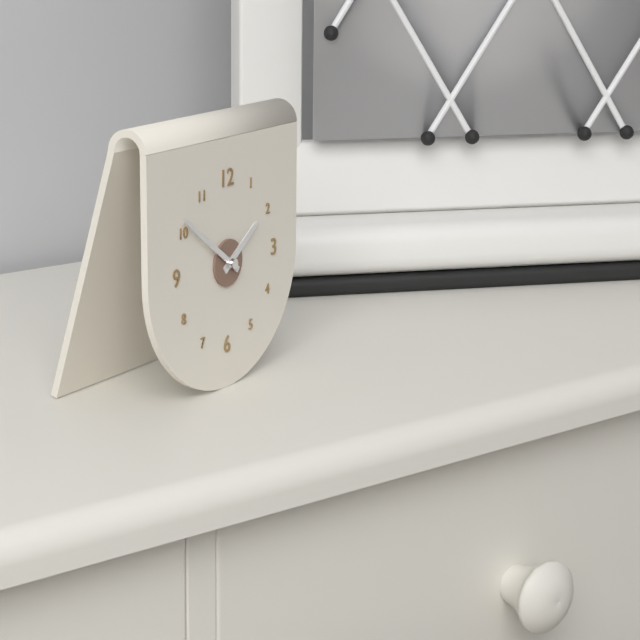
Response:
1h51
